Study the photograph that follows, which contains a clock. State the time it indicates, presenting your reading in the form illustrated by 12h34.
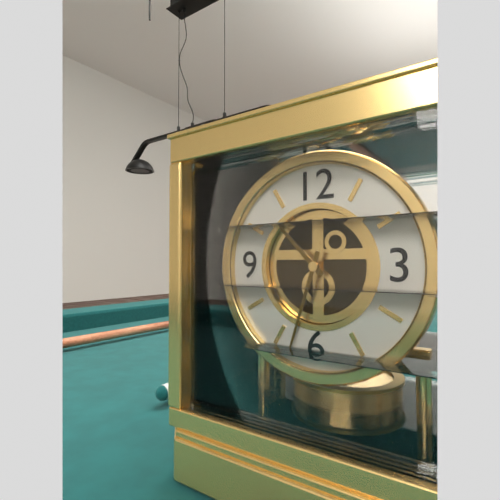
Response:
10h33
